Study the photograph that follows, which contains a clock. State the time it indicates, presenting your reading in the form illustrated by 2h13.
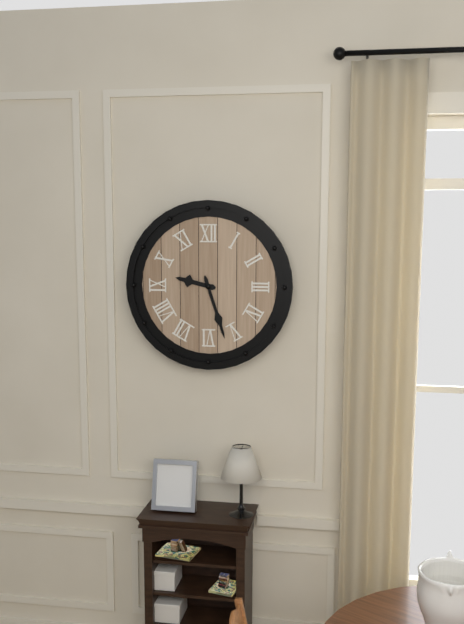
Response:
9h27
